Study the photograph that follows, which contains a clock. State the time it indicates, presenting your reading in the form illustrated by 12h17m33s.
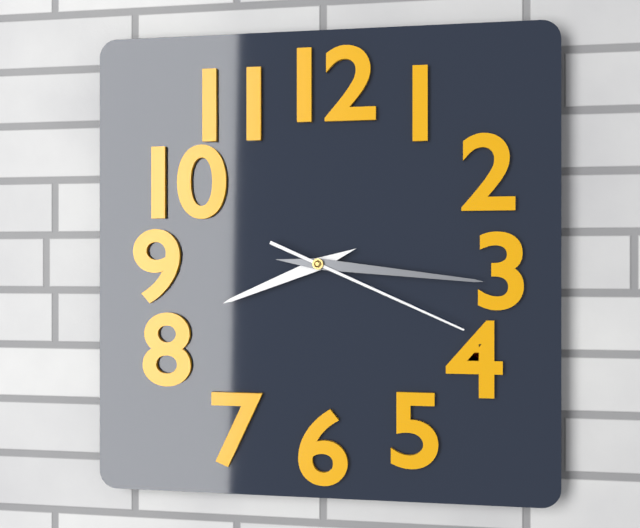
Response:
8h16m19s
